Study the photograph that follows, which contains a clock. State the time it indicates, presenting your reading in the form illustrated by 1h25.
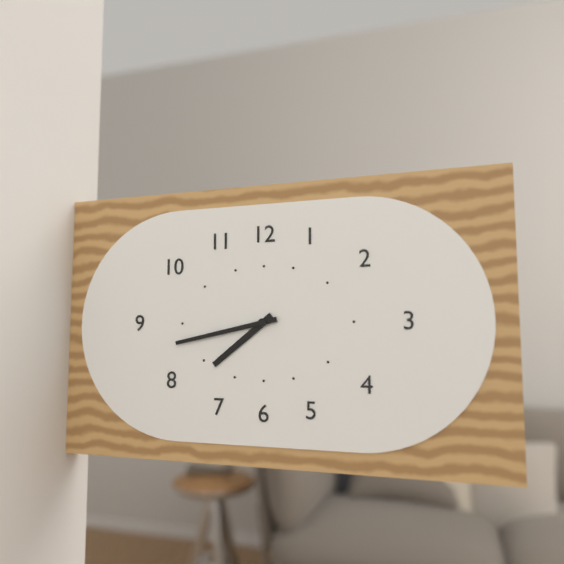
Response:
7h43
